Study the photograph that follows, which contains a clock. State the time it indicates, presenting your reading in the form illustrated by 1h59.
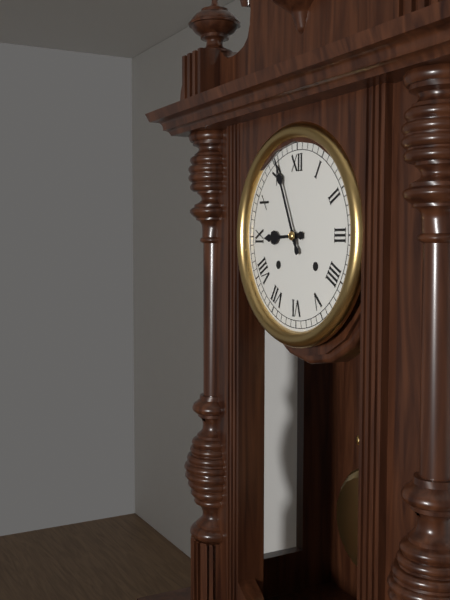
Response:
8h56
